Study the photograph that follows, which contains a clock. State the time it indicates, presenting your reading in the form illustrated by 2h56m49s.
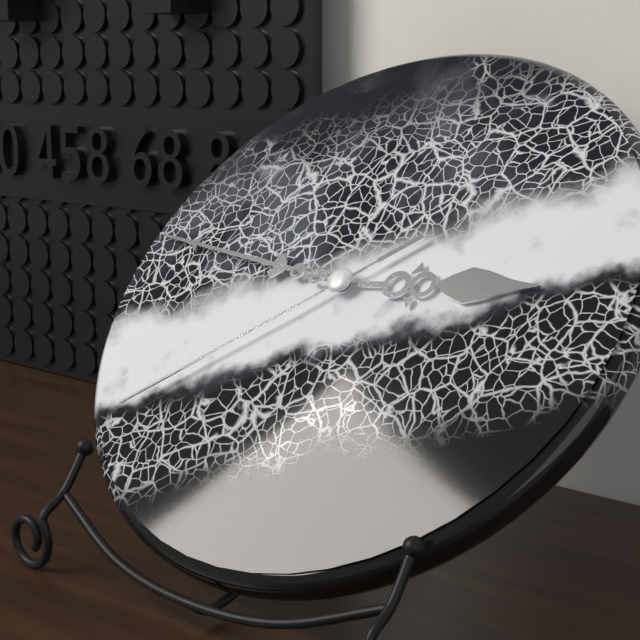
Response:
2h46m38s
